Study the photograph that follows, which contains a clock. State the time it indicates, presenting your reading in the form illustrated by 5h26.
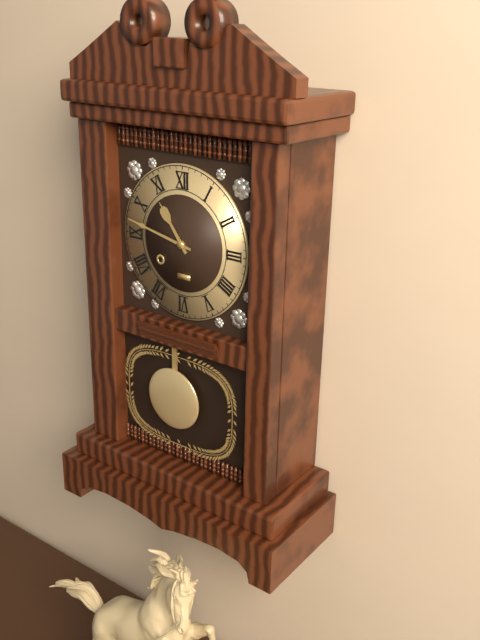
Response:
10h47
